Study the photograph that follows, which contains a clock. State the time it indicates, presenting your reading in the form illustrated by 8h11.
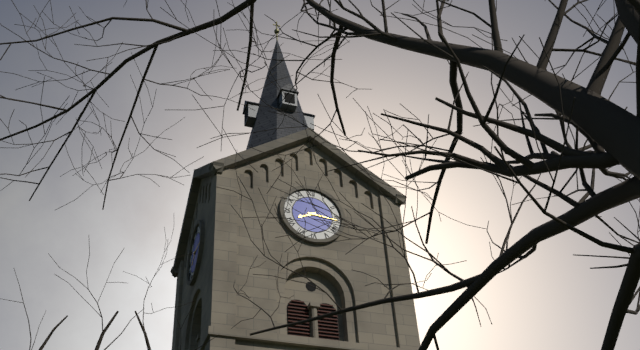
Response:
8h16
